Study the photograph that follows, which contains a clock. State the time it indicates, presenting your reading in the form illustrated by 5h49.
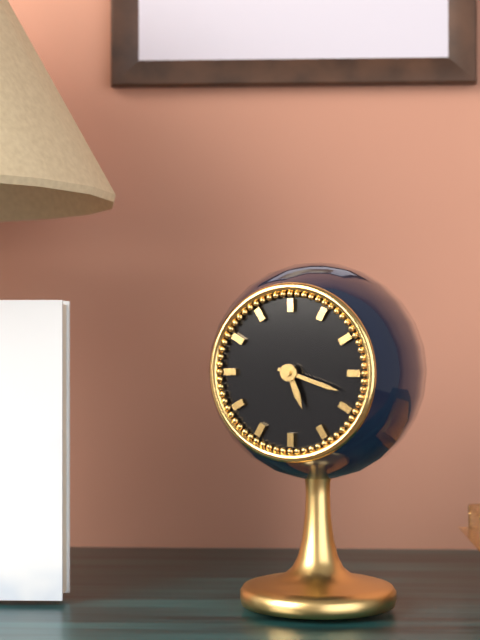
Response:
5h18
